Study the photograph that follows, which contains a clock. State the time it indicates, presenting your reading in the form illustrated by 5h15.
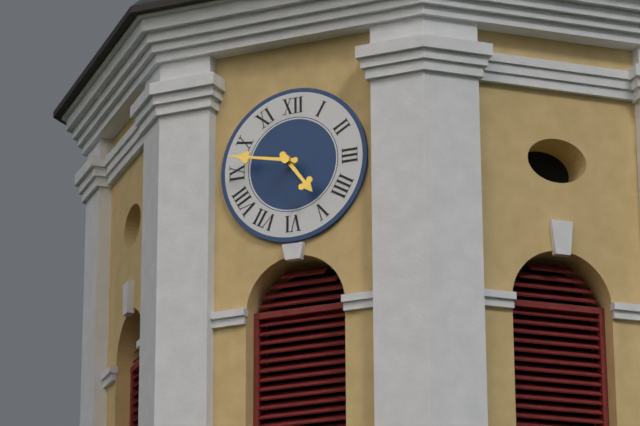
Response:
4h47
